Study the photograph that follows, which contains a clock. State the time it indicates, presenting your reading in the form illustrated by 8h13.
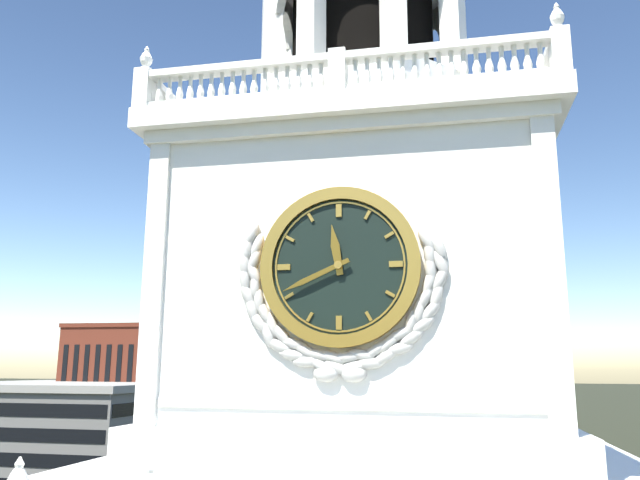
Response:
11h41
